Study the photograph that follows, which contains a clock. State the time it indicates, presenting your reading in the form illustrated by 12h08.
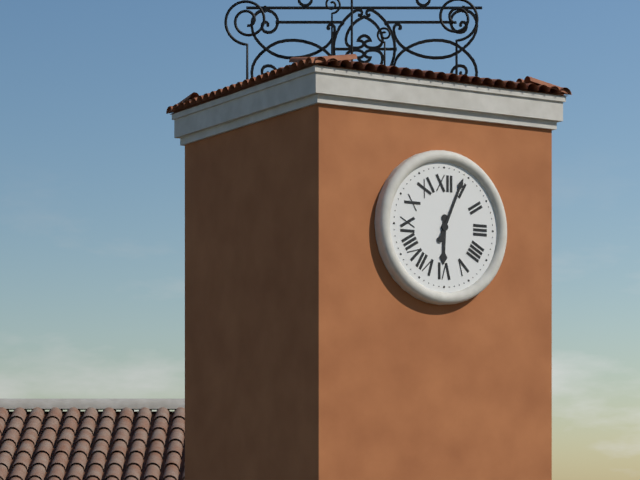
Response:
6h04
